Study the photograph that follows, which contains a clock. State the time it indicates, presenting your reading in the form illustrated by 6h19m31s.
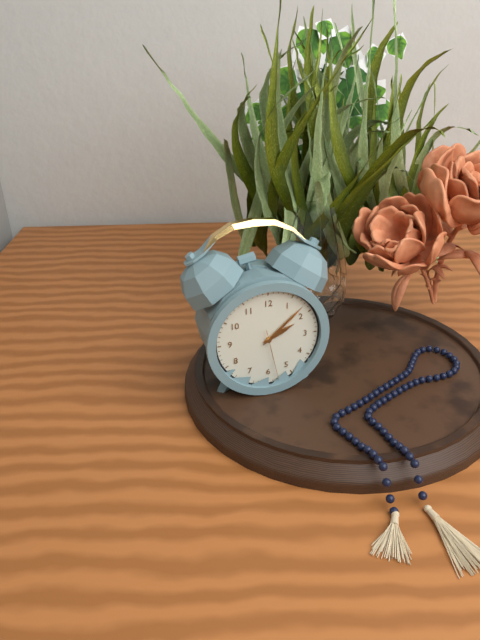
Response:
2h08m28s
